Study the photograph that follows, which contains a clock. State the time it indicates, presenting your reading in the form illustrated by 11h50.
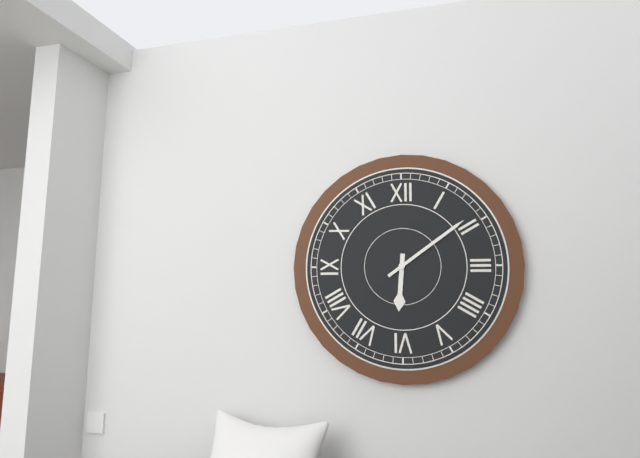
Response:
6h09
